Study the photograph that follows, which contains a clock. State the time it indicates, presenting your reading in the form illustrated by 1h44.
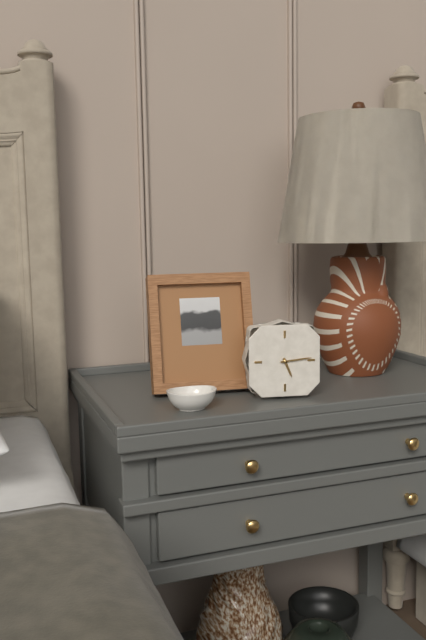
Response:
5h14
